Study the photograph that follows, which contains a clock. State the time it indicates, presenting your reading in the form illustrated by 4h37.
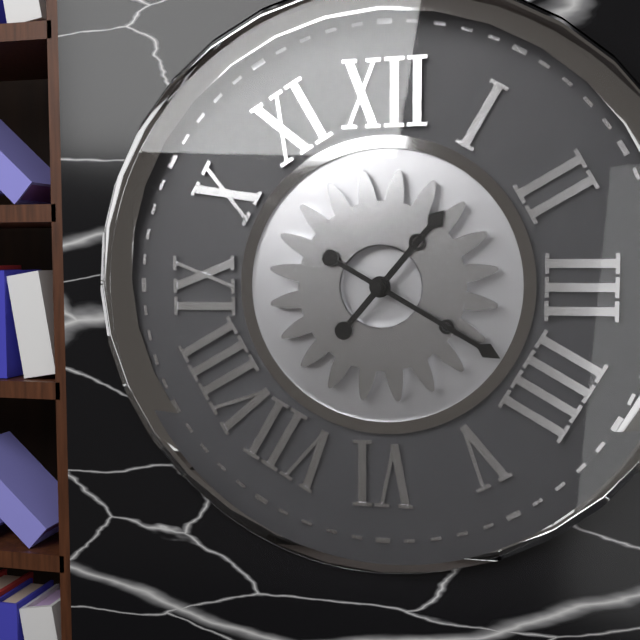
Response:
1h20
